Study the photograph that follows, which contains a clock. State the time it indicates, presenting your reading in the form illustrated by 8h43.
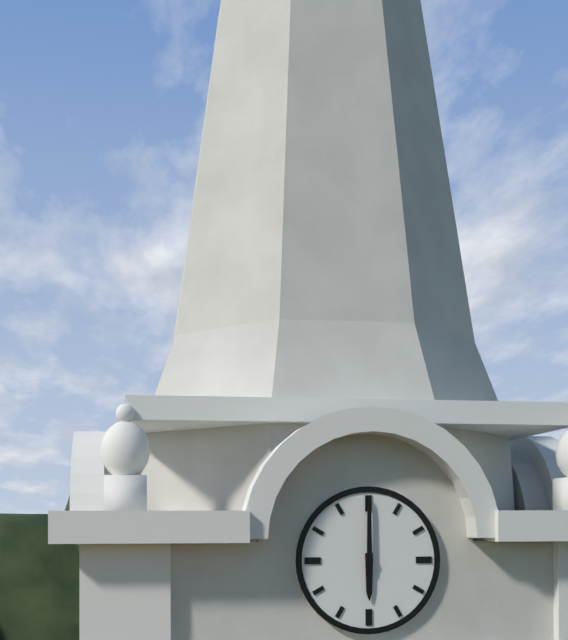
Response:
6h00
